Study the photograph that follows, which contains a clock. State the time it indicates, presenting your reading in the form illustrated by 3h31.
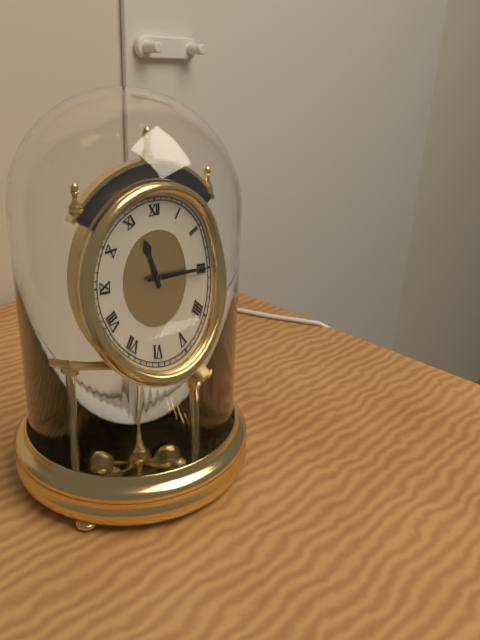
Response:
11h15
